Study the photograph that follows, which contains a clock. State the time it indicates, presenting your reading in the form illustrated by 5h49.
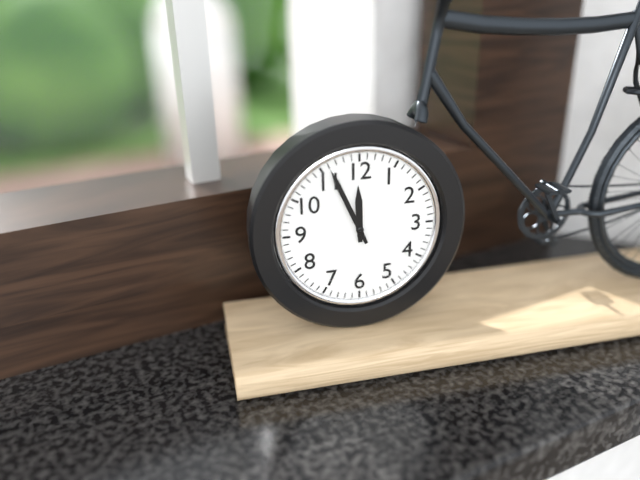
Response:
11h56
